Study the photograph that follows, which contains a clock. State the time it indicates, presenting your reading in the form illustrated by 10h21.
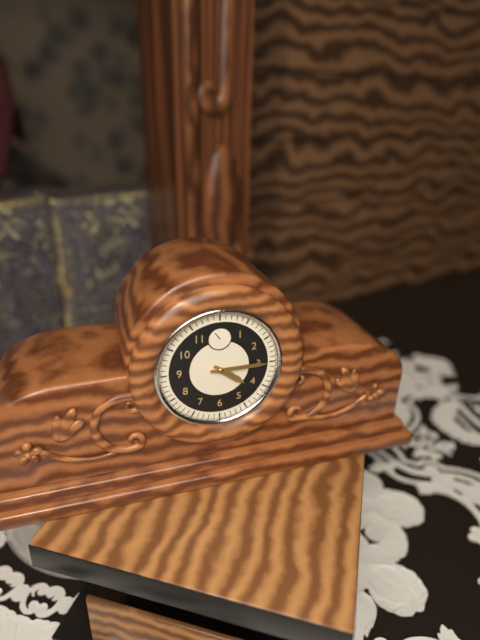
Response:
4h15
